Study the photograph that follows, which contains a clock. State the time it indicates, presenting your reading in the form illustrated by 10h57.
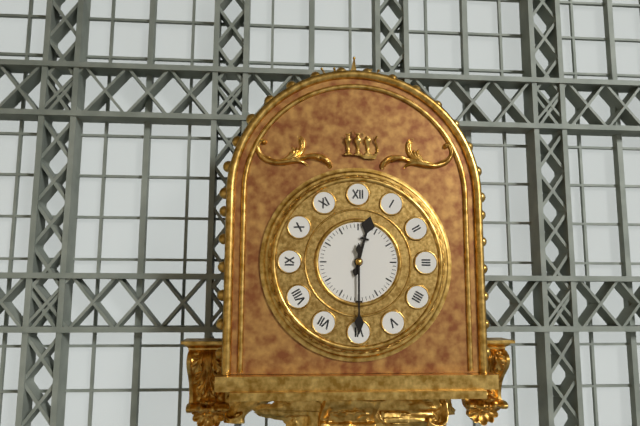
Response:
12h30
